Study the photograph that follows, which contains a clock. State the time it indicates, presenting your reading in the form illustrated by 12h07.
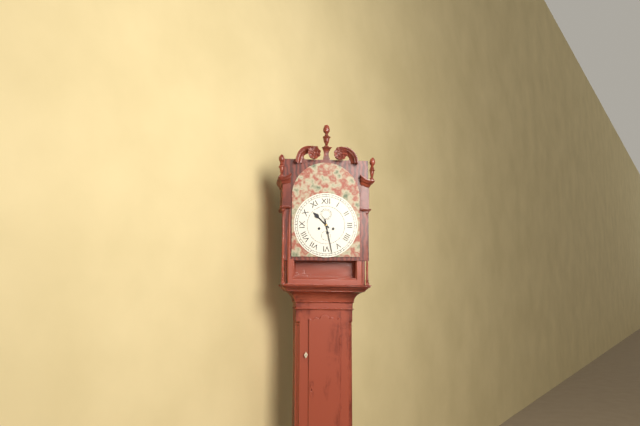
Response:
10h28
